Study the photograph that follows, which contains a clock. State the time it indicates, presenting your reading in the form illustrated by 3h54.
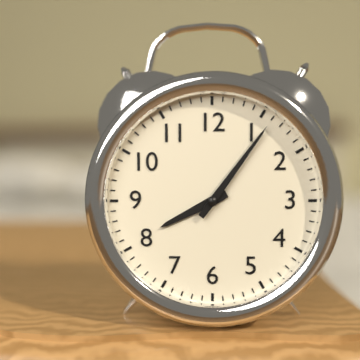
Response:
8h06
